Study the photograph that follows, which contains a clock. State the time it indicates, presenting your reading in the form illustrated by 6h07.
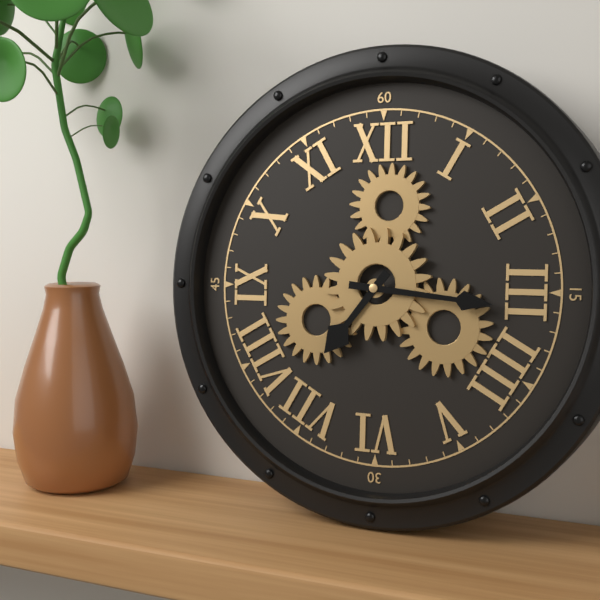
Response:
7h16
